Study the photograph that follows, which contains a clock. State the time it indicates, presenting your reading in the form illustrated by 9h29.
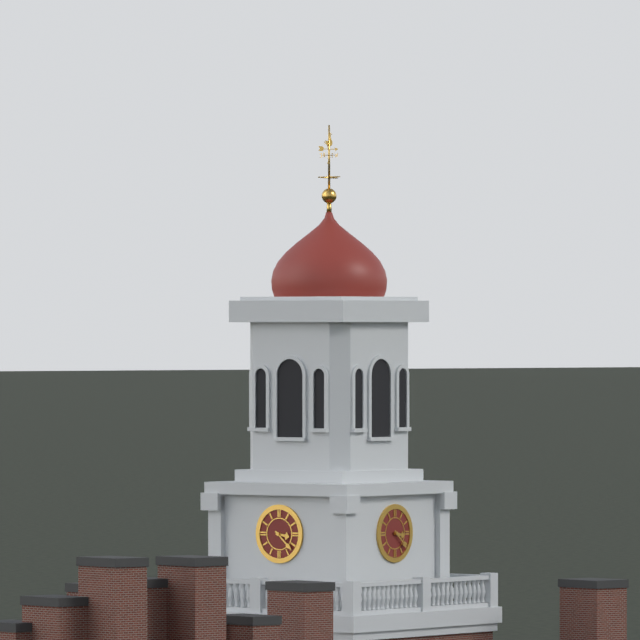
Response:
3h22
